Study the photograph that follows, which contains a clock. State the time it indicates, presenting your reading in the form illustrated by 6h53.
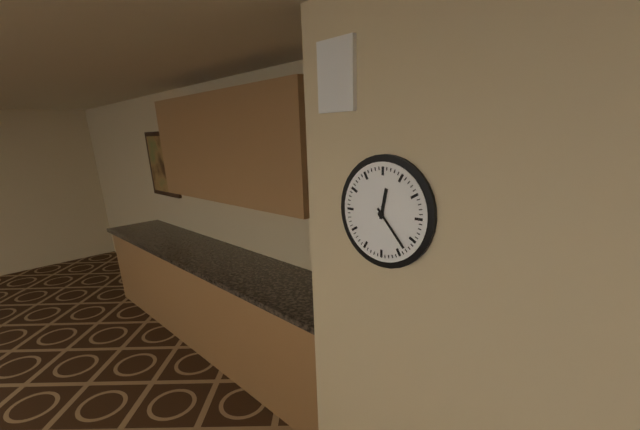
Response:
12h23
